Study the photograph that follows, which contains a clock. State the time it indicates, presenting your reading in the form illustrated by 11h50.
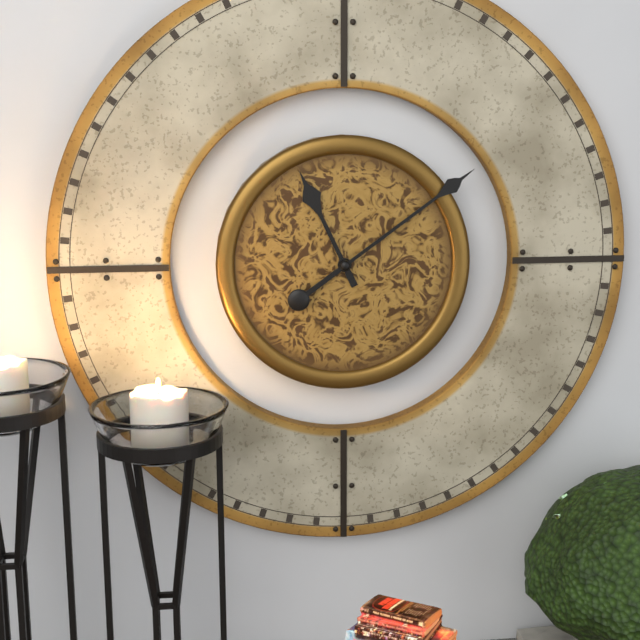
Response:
11h09
